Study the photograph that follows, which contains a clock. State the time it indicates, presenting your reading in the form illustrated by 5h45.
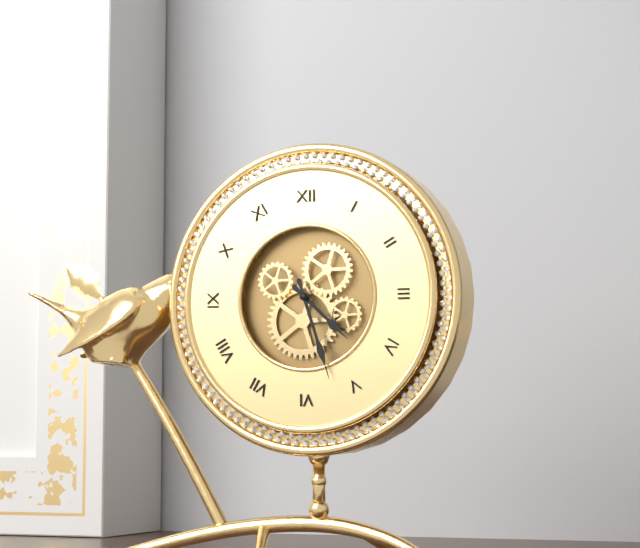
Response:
4h27
